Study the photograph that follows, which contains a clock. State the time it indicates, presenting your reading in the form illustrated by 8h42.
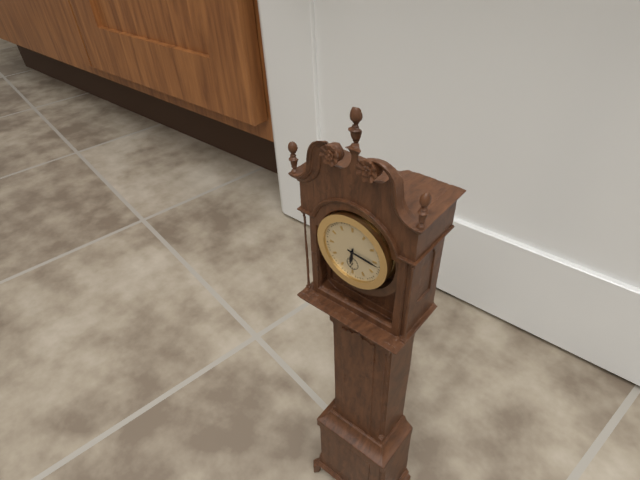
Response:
6h16
